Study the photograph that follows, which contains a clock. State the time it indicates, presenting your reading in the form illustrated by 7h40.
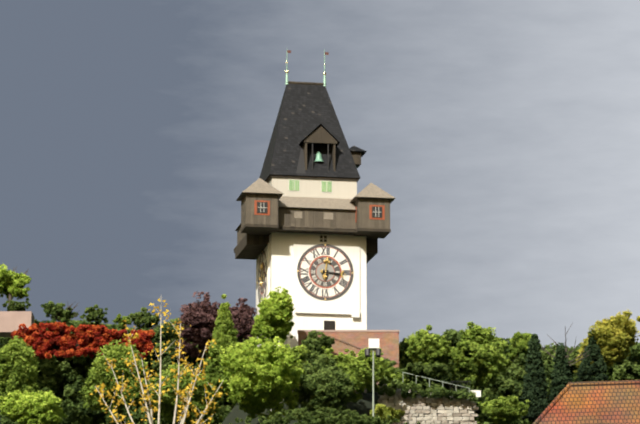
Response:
12h16
